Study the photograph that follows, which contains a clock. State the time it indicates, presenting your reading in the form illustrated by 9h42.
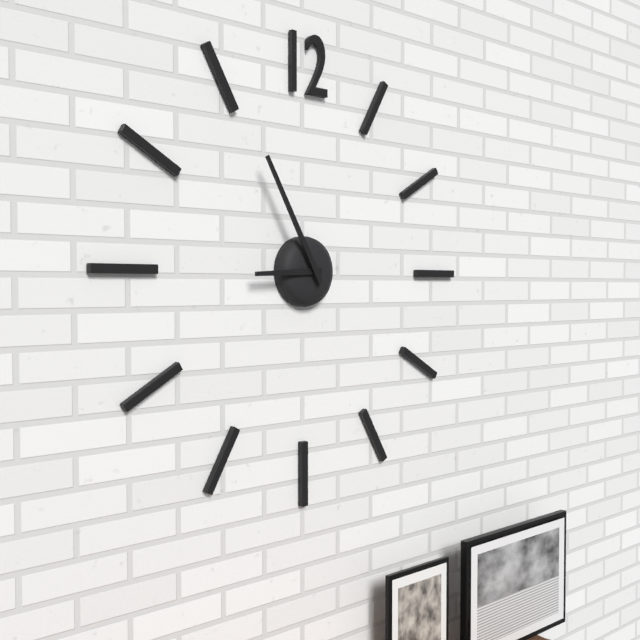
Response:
8h55
